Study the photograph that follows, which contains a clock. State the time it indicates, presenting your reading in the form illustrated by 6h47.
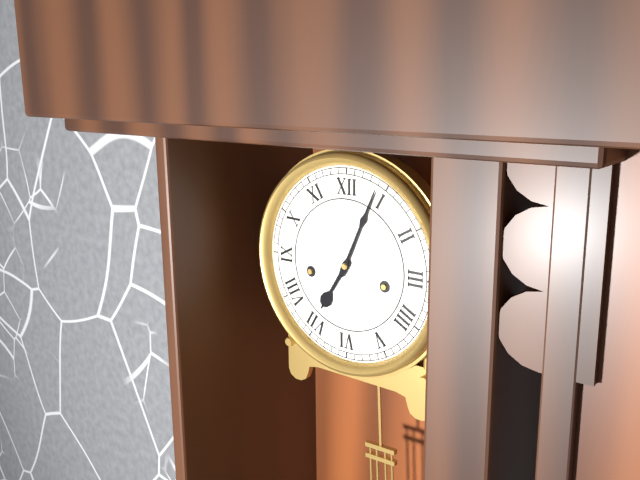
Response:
7h04
